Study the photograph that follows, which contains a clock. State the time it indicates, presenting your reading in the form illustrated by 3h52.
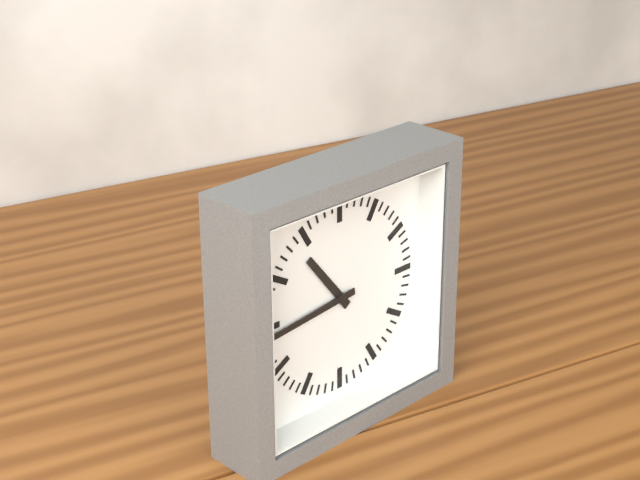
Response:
10h44
